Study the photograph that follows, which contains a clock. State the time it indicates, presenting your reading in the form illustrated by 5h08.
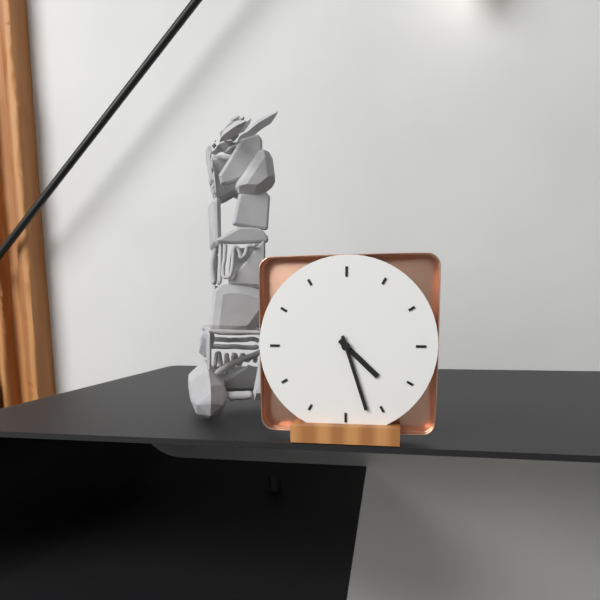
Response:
4h27
